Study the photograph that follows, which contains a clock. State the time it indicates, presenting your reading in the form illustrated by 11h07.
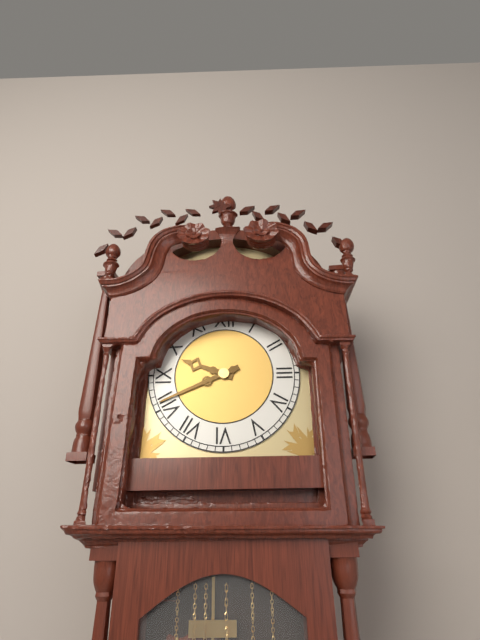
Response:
9h41
